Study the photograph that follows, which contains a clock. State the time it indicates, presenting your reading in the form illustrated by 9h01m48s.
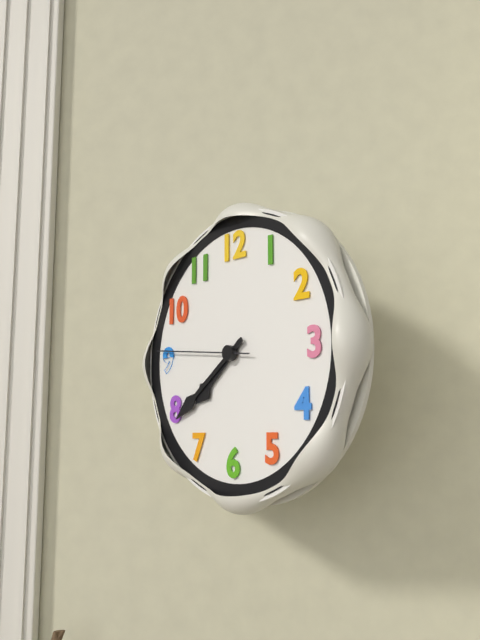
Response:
7h39m46s
